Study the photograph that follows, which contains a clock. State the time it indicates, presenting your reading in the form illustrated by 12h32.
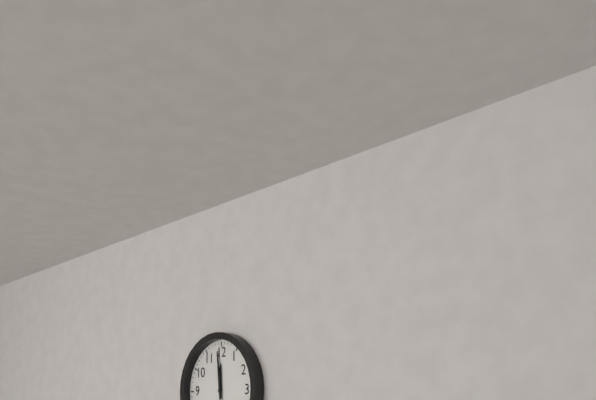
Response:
11h59
